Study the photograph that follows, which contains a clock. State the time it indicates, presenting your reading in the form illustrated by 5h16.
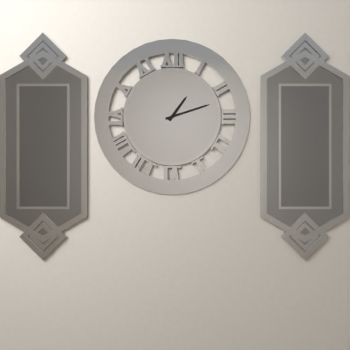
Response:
1h12
